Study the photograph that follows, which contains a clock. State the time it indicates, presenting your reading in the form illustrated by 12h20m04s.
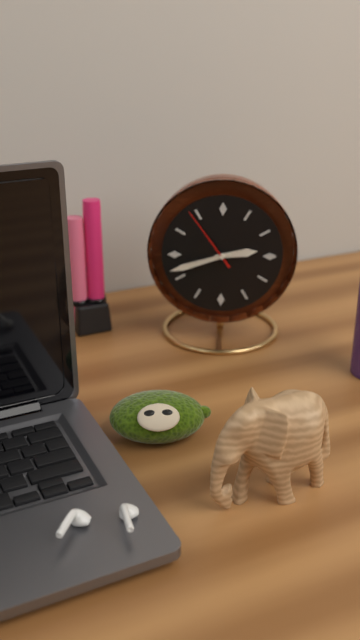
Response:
2h42m54s
